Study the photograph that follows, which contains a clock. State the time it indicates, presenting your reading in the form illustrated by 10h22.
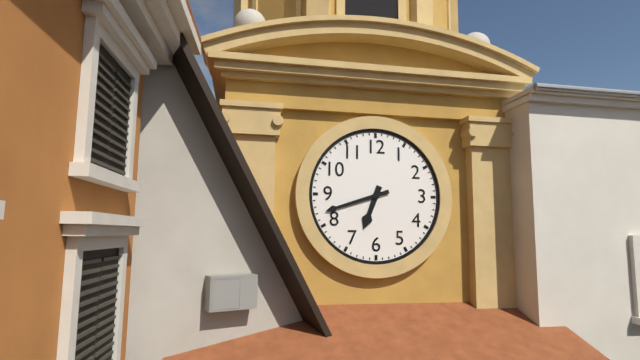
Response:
6h42
